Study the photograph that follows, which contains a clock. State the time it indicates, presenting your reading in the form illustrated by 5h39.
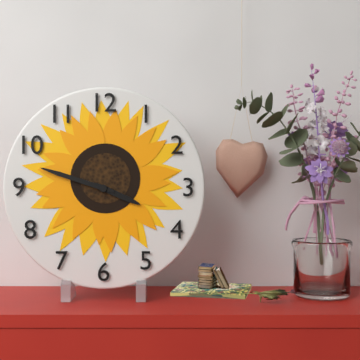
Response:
3h48
